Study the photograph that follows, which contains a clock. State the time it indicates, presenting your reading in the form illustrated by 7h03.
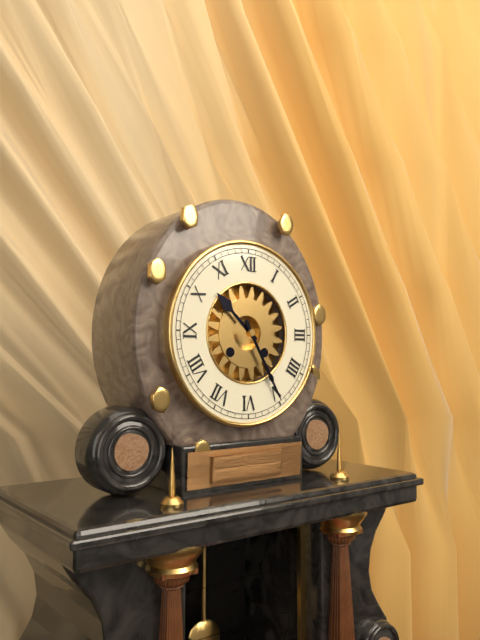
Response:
10h25
